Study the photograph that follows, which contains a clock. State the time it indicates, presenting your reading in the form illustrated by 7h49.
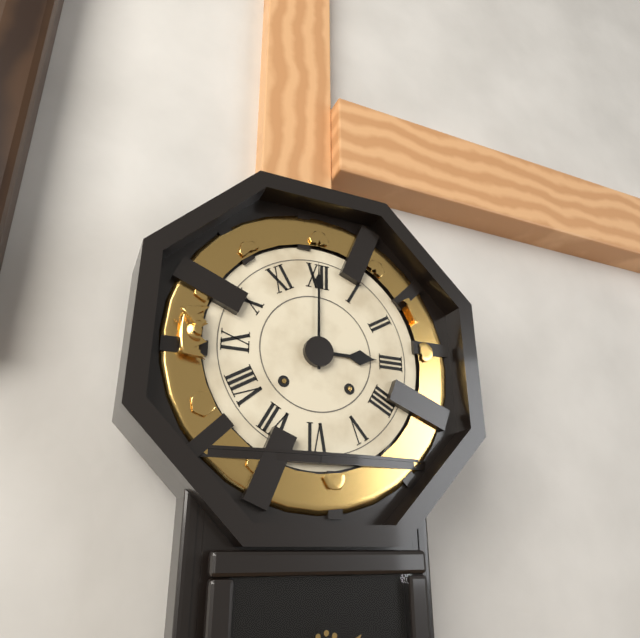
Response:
3h00
